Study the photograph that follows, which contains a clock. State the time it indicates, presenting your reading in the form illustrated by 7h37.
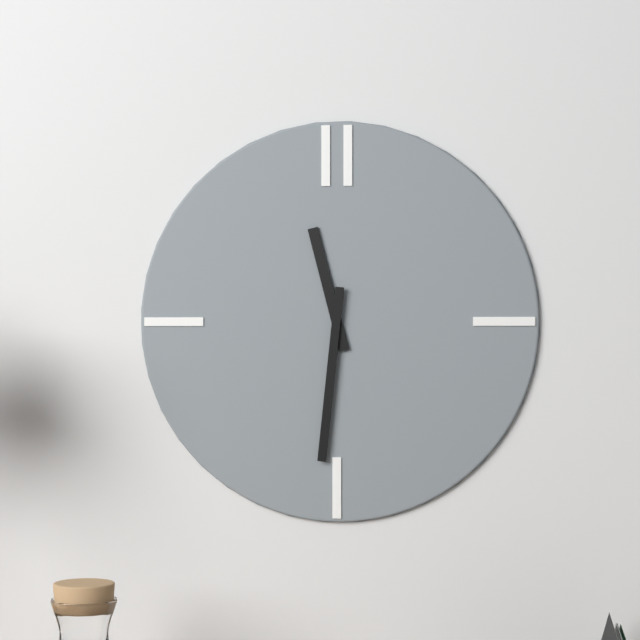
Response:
11h31
